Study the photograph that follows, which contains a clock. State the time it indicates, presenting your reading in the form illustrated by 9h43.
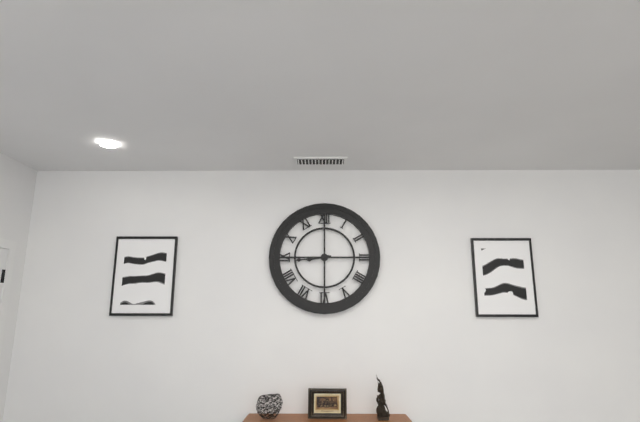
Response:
8h44
